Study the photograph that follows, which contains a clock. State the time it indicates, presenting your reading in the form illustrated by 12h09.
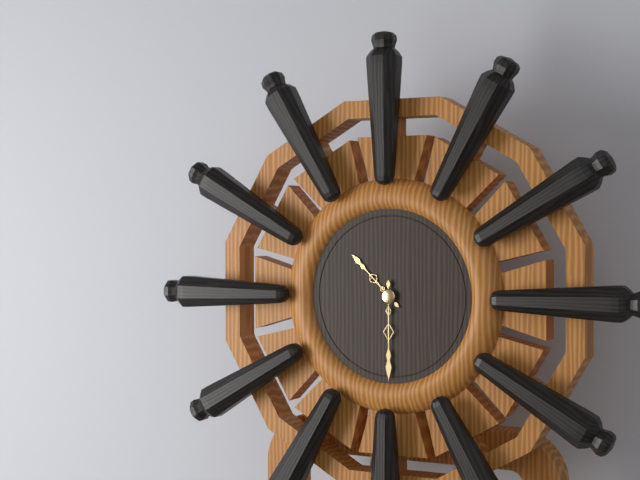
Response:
10h30
